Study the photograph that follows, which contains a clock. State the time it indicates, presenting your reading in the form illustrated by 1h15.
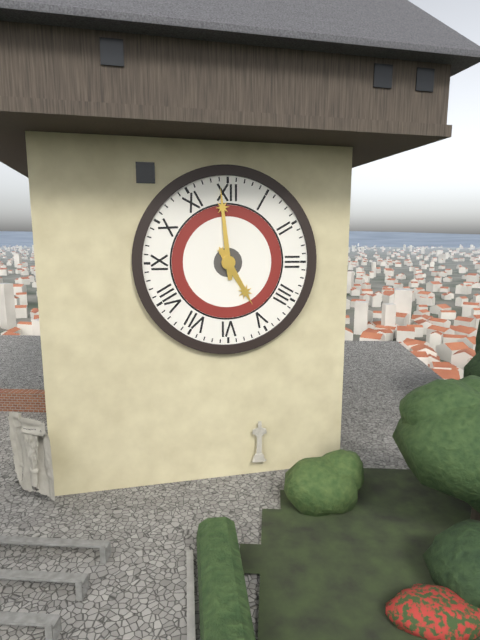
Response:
4h59
